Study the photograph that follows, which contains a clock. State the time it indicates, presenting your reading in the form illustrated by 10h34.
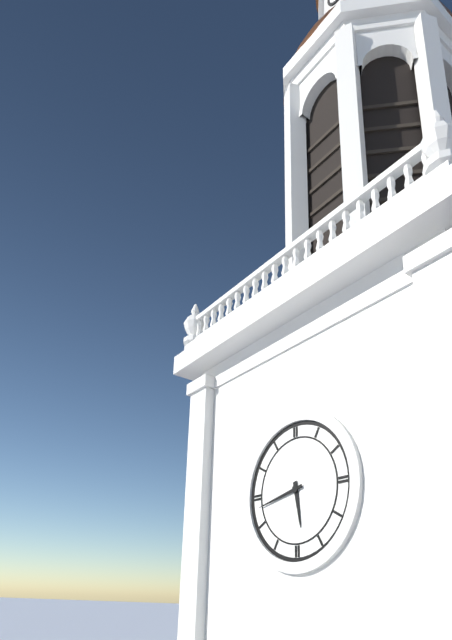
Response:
5h43
